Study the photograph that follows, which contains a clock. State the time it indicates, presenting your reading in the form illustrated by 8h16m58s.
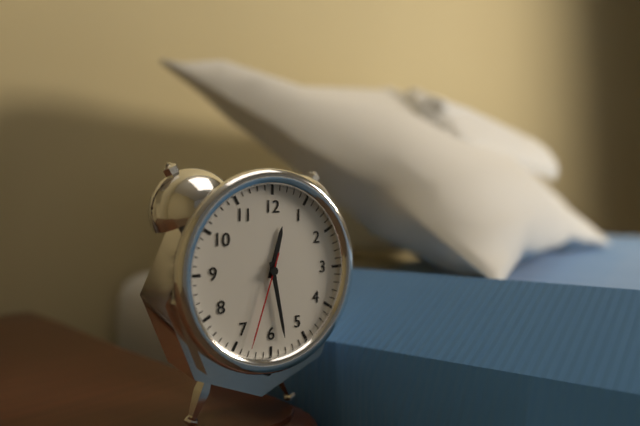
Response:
12h28m33s
